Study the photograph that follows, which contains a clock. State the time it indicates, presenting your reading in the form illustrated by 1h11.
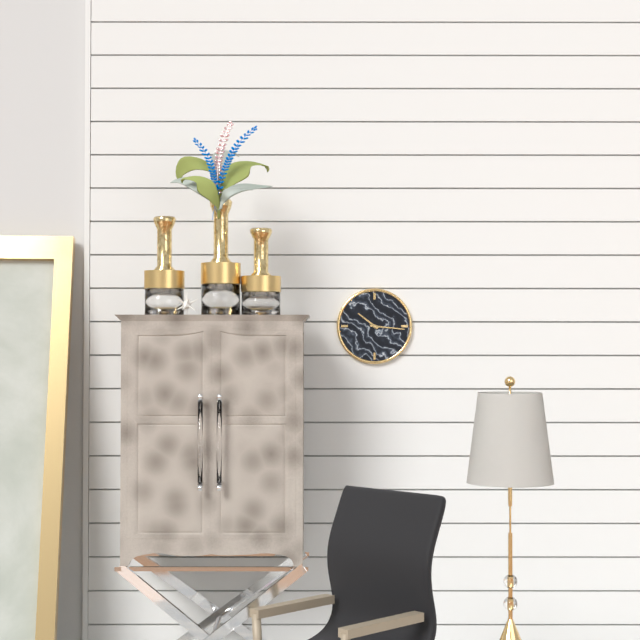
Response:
10h16
